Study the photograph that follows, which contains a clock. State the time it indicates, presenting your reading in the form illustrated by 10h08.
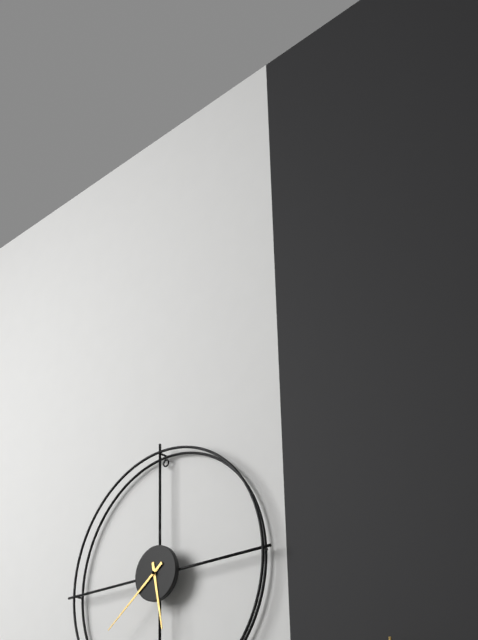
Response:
5h39
